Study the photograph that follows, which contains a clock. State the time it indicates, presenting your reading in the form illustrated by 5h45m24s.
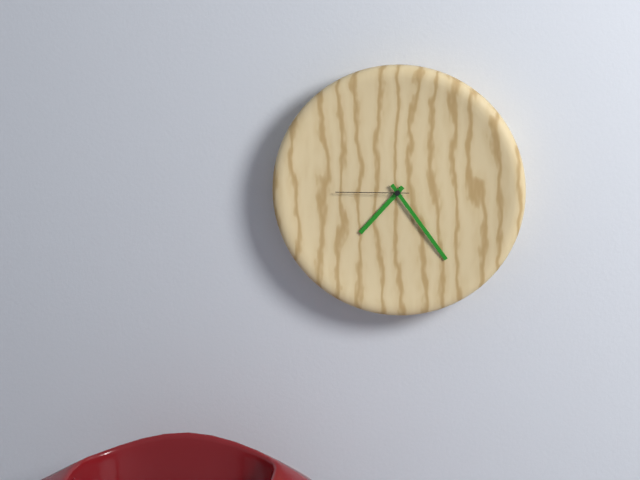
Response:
7h24m45s
